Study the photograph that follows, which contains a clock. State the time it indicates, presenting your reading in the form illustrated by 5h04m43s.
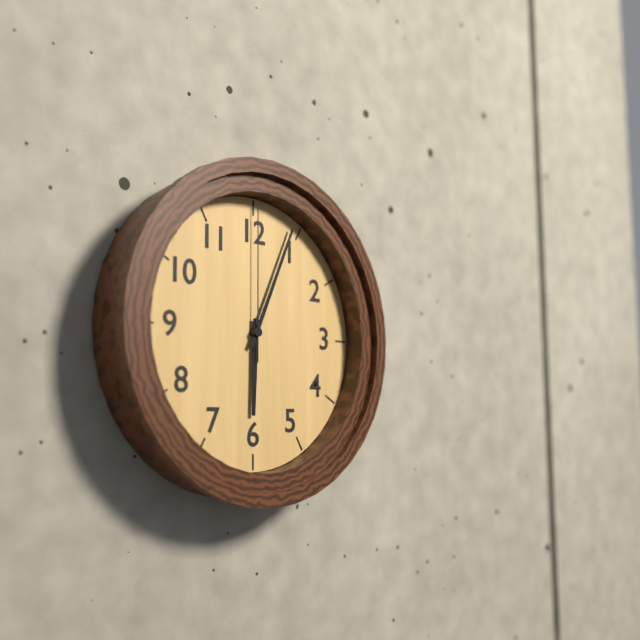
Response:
6h04m00s
